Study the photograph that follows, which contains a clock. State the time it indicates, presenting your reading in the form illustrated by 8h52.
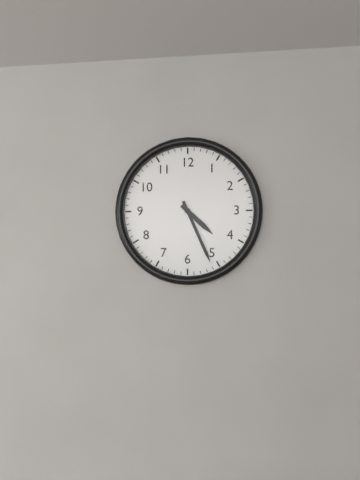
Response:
4h26
